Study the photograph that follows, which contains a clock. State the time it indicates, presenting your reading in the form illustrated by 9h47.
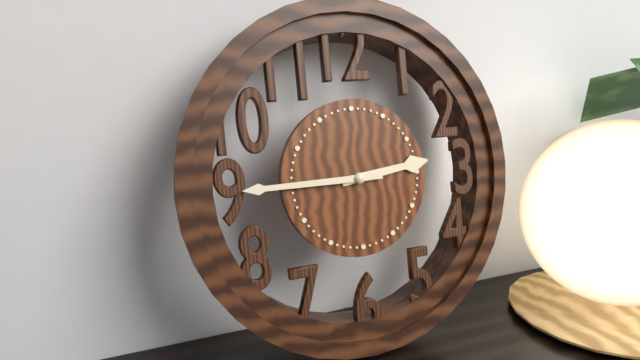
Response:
2h45
